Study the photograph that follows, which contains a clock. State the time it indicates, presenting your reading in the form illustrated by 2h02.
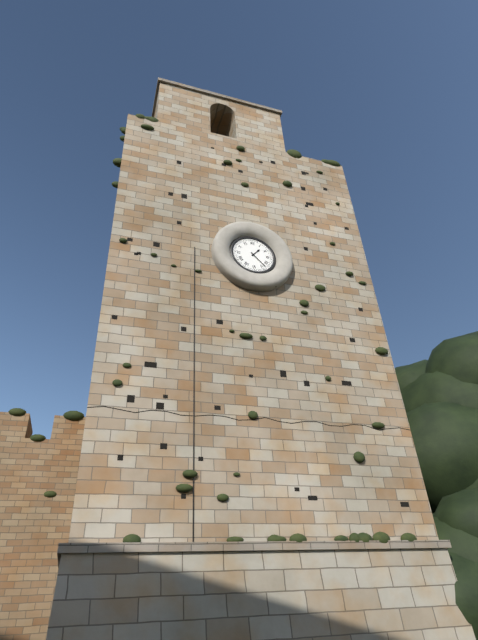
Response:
1h23
